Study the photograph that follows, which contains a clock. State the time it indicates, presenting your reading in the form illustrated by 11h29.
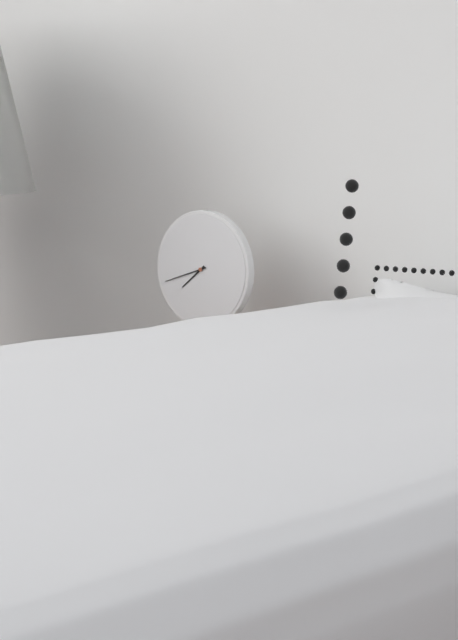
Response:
7h42
